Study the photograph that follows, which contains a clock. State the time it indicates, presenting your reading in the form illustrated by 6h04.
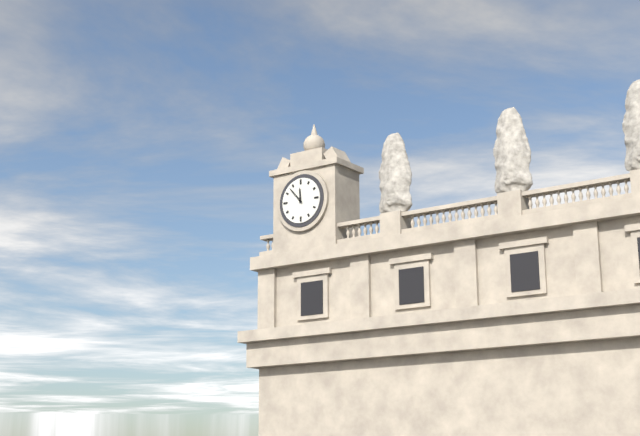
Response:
11h53
